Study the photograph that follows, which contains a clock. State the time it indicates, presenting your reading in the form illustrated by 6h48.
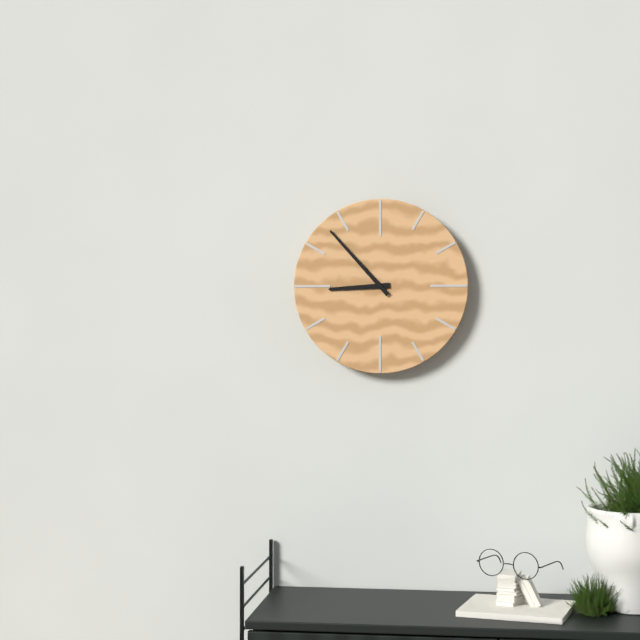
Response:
8h53
